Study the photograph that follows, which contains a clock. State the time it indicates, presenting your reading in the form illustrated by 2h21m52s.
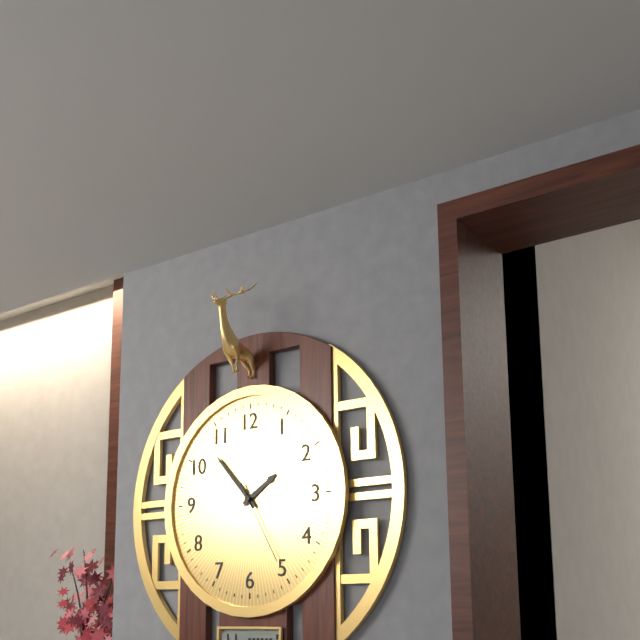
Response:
1h53m25s
